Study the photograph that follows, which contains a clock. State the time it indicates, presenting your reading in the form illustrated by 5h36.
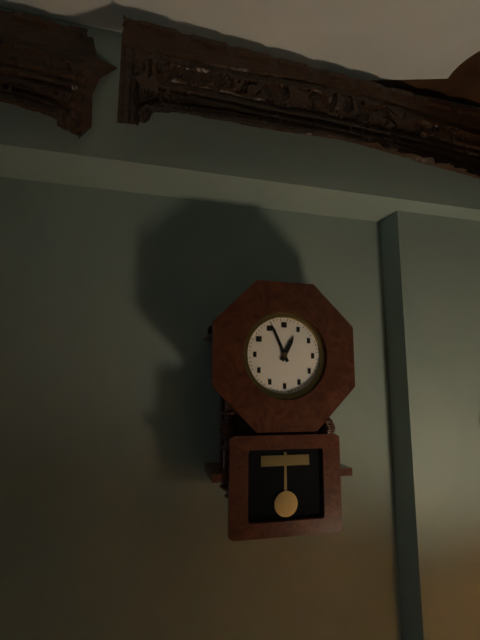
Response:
12h56
